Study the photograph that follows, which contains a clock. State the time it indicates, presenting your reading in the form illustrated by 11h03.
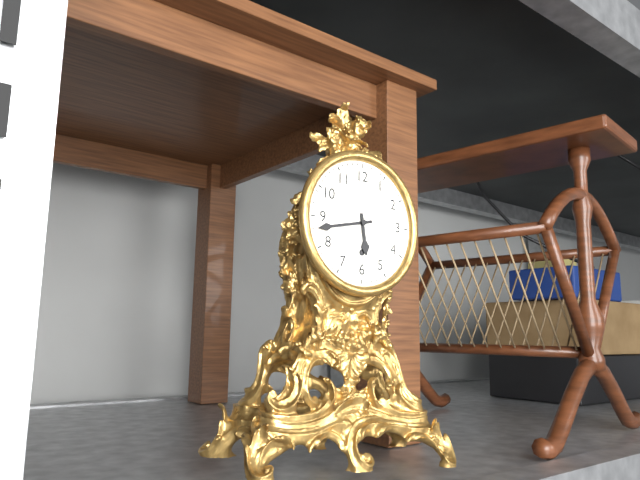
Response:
5h43
